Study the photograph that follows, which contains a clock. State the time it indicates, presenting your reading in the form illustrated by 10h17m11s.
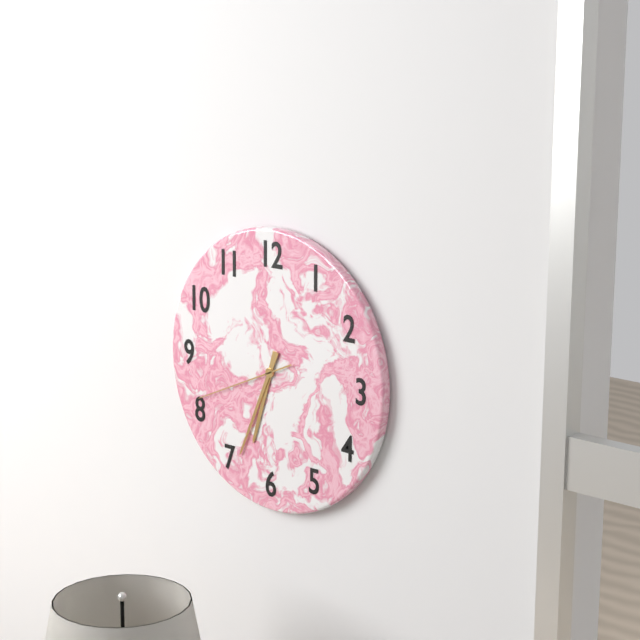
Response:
6h34m41s
